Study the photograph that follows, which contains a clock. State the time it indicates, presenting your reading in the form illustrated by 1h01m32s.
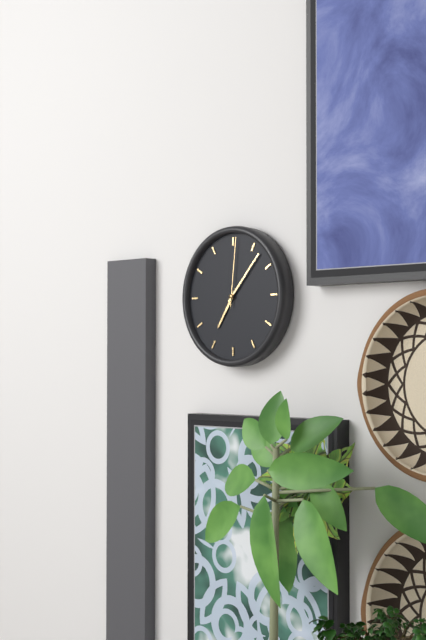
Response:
7h07m01s
